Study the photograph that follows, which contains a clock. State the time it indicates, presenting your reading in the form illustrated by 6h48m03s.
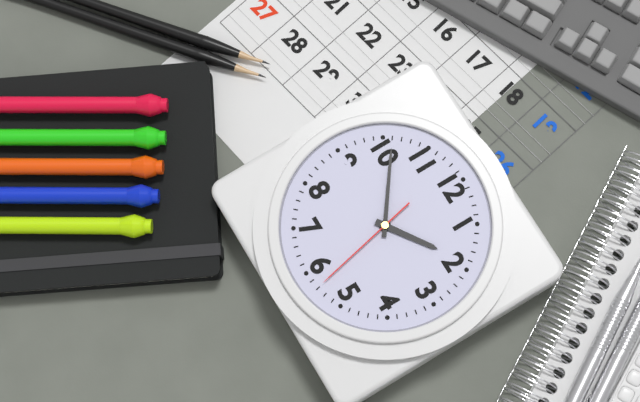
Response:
1h51m28s
